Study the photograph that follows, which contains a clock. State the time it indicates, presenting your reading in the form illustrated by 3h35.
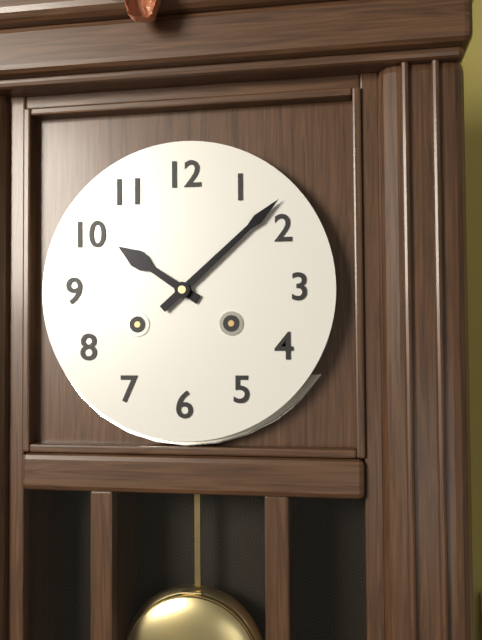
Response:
10h08
